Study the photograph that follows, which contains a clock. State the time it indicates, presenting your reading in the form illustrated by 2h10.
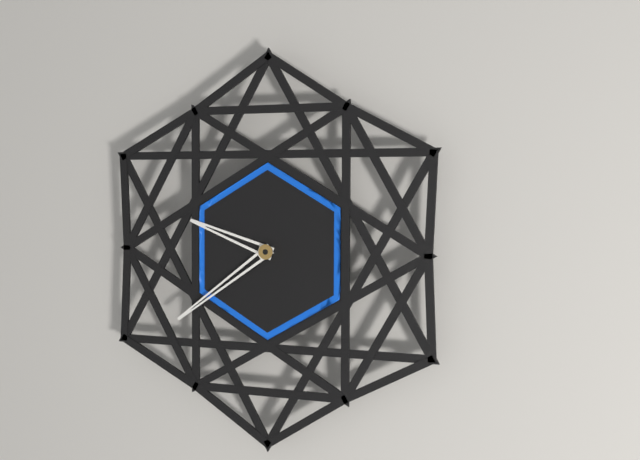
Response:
9h39
